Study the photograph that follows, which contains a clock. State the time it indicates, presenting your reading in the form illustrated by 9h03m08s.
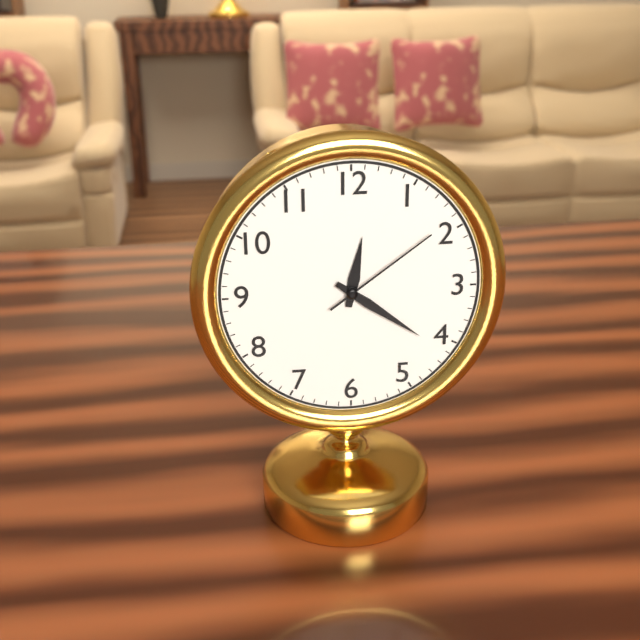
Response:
12h21m09s
